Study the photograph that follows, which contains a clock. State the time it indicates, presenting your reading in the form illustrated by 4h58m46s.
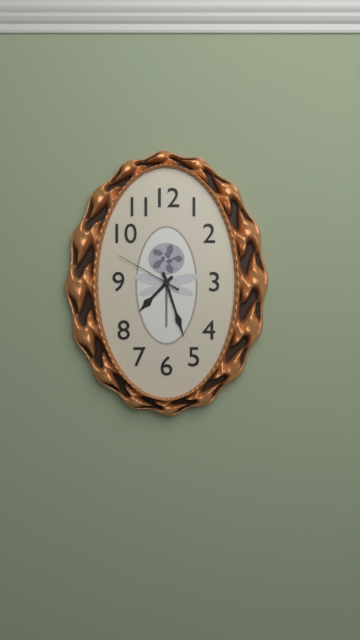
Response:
7h27m50s
